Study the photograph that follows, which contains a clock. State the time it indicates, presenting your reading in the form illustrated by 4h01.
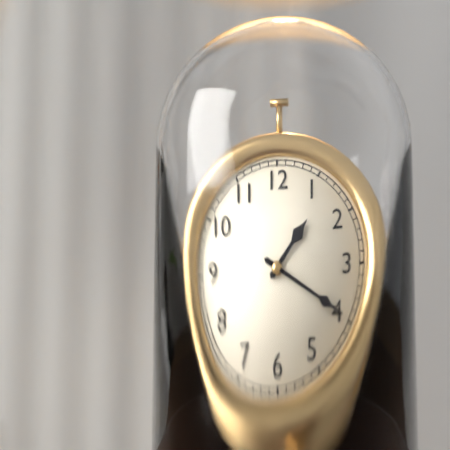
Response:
1h20
